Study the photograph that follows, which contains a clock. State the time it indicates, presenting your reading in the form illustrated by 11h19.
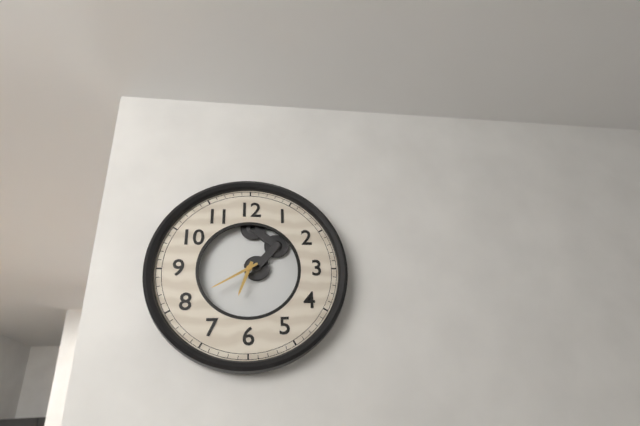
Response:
6h40
